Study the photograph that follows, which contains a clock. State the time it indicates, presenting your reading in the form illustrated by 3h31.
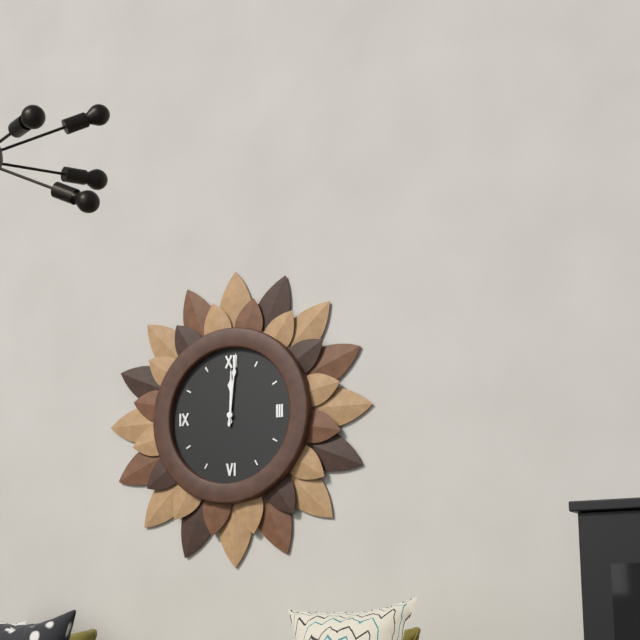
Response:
12h01
